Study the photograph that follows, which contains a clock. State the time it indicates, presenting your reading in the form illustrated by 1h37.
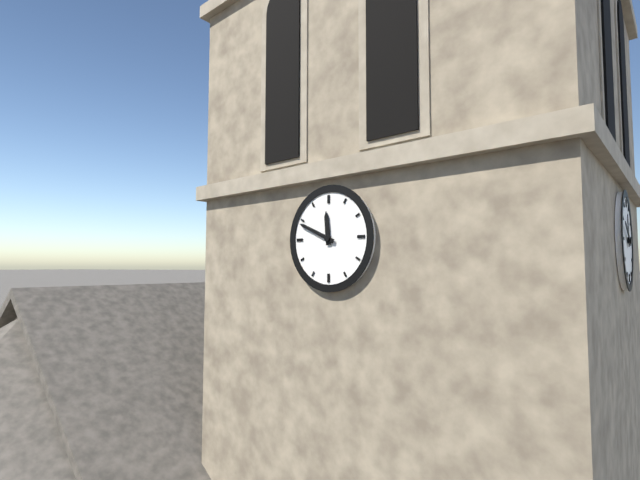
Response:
11h49
